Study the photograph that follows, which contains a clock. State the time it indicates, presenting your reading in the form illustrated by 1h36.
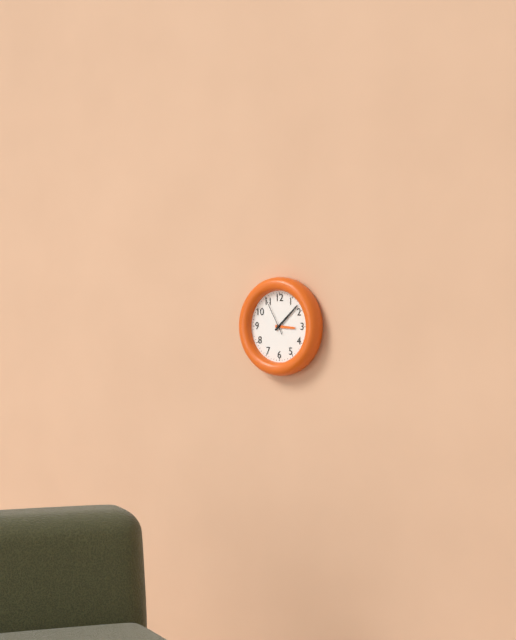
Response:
3h08
